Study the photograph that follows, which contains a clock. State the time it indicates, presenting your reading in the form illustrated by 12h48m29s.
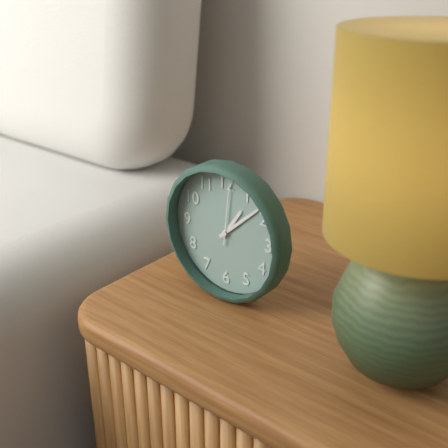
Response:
1h08m01s
